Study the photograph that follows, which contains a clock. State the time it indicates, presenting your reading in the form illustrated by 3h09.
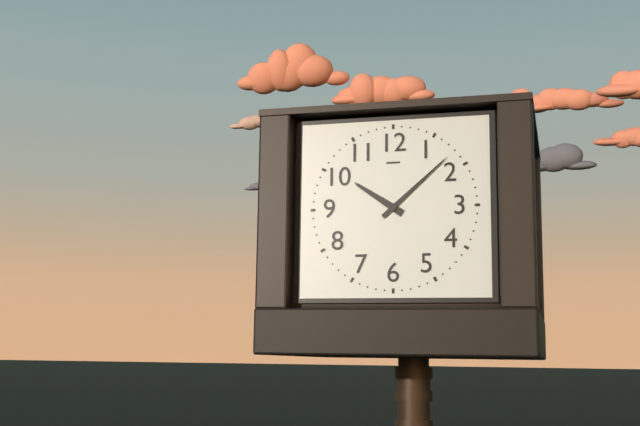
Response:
10h08
